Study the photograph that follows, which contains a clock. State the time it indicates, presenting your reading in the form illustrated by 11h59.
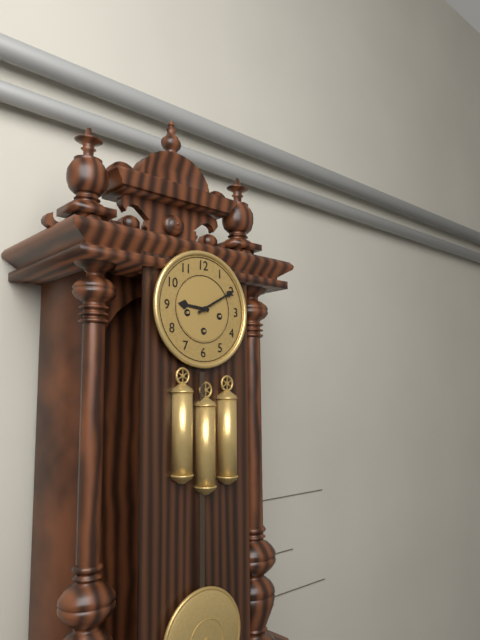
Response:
9h10
